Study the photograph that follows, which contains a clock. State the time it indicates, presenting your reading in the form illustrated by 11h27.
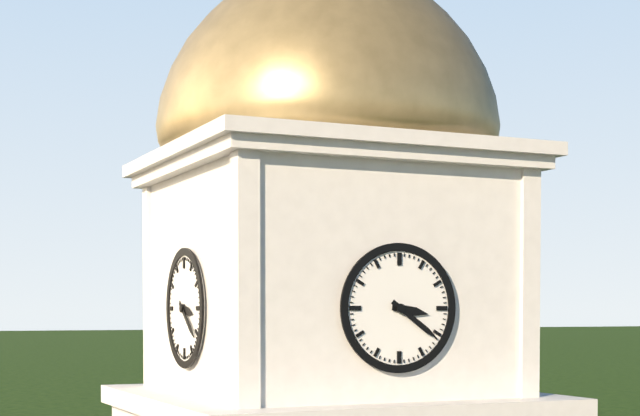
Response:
3h21
